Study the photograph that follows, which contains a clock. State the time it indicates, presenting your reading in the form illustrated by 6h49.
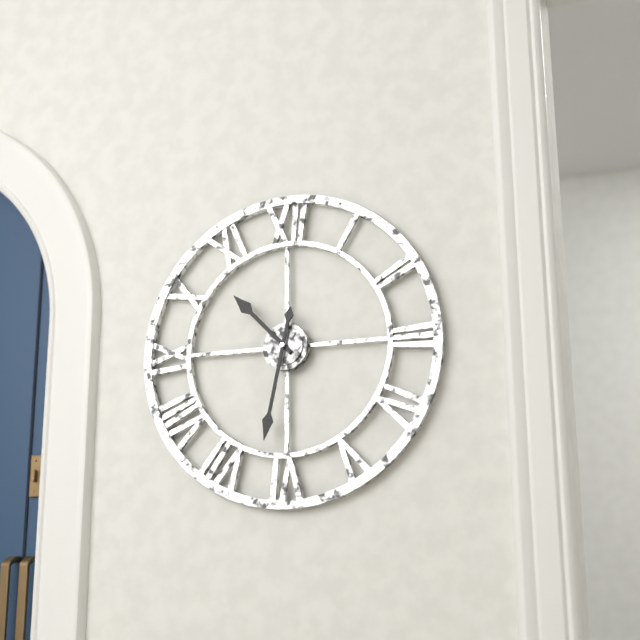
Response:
10h32
